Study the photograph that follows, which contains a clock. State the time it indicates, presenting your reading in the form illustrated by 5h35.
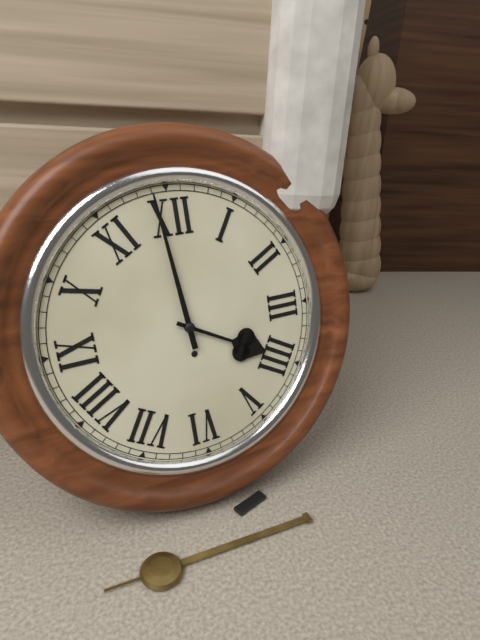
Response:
3h59
